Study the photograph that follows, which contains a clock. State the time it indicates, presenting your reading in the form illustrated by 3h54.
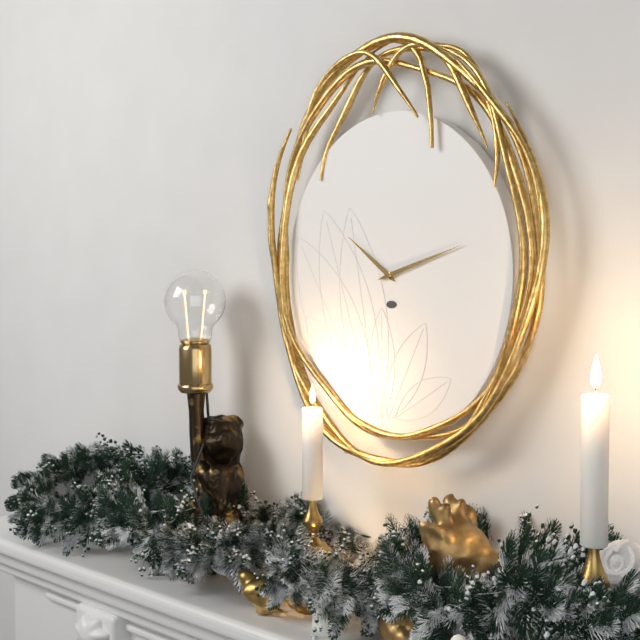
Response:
10h12
